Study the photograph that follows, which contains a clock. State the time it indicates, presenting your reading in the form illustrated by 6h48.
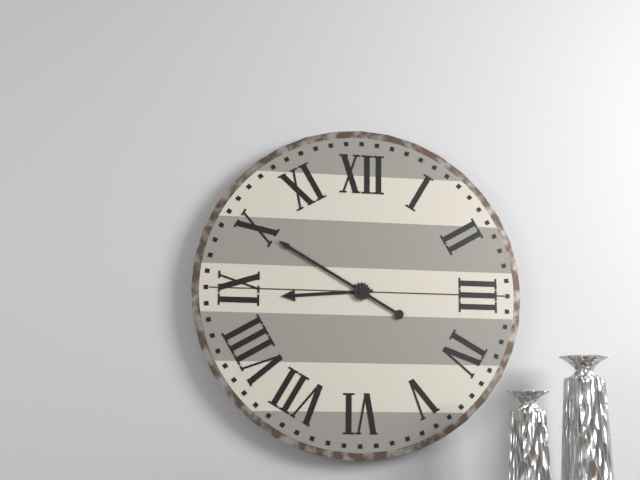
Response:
8h50
